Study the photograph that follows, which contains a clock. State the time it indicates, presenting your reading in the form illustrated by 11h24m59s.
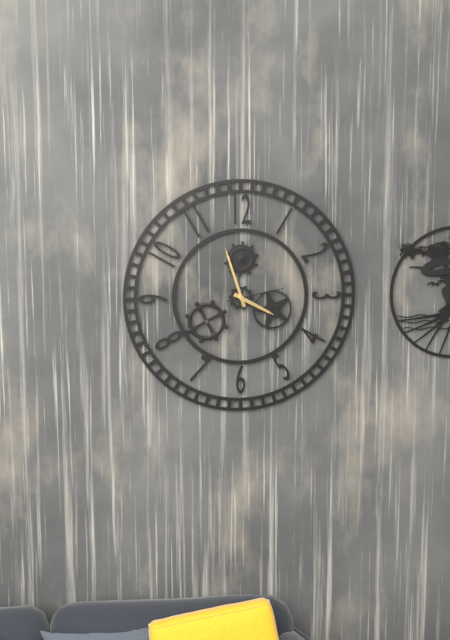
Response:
3h57m13s
